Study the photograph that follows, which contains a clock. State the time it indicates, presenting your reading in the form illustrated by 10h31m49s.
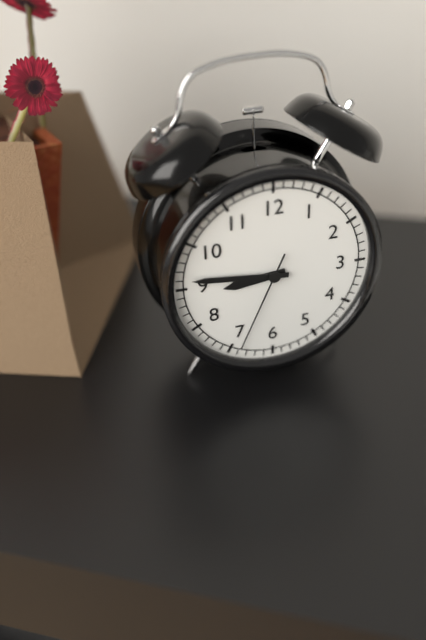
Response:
8h46m34s
